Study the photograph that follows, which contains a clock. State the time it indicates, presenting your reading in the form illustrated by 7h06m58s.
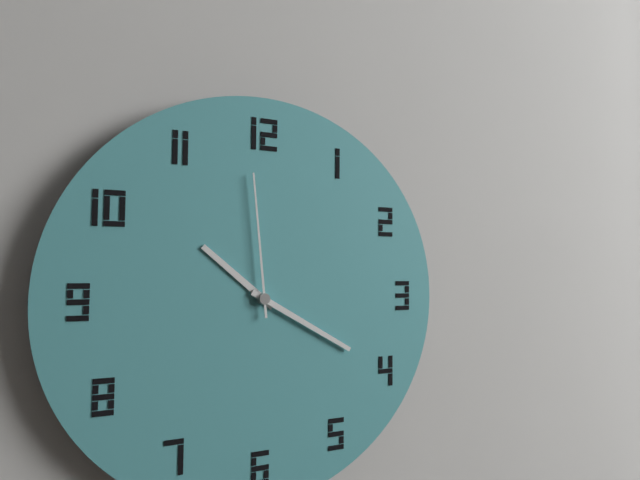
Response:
10h20m59s
